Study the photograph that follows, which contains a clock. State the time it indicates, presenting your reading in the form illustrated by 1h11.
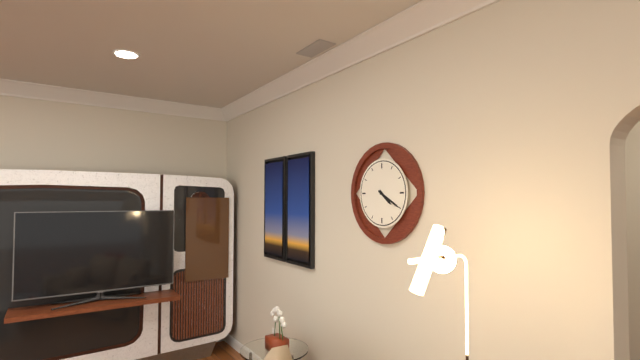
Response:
4h20
